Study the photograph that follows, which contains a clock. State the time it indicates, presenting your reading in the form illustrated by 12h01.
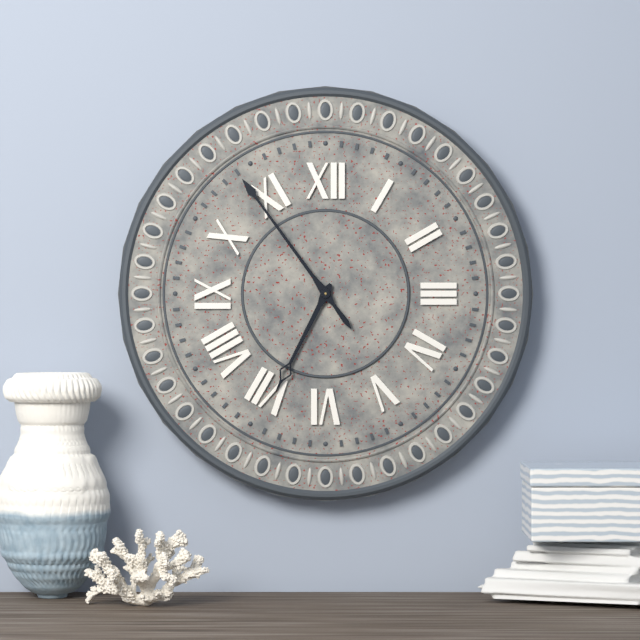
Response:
6h54
